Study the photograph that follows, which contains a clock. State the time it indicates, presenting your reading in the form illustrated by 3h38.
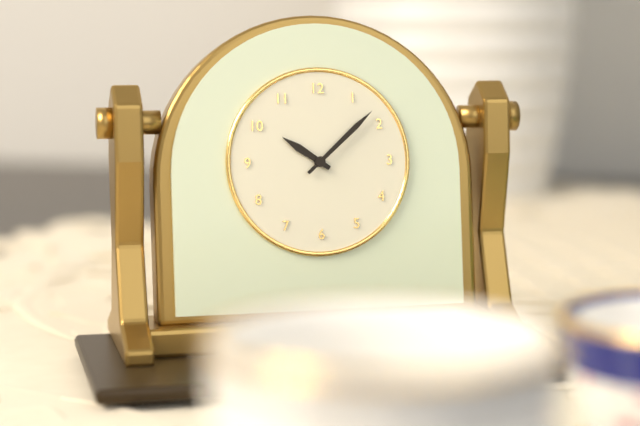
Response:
10h08
